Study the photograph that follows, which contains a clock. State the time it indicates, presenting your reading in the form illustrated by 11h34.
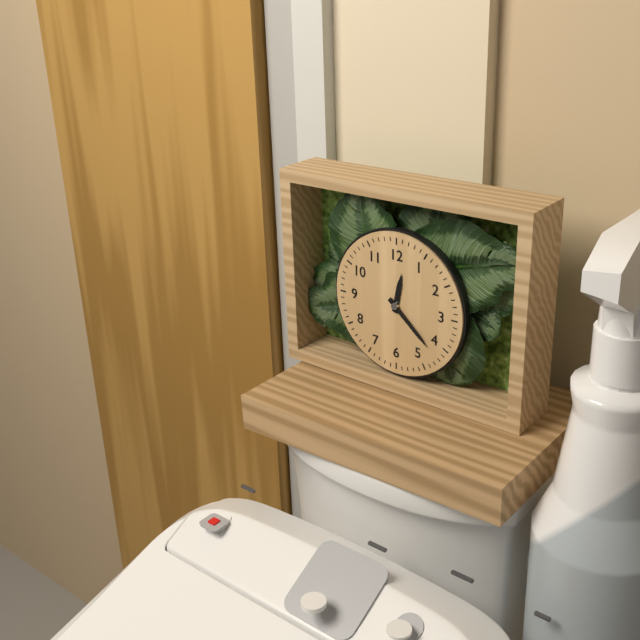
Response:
12h22
